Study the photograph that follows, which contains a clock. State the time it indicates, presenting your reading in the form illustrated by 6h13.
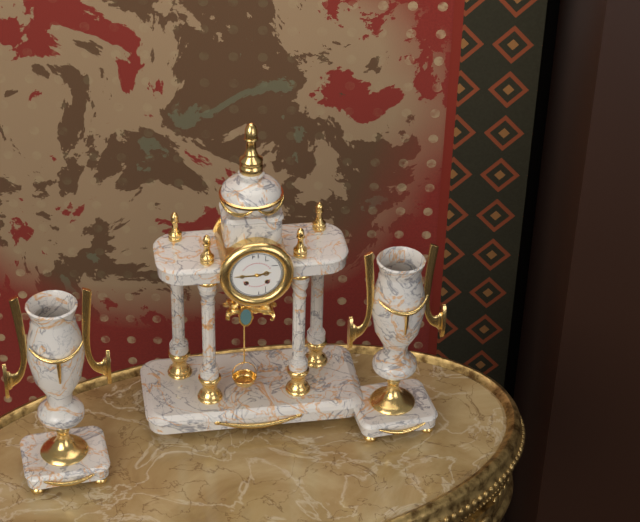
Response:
2h45
